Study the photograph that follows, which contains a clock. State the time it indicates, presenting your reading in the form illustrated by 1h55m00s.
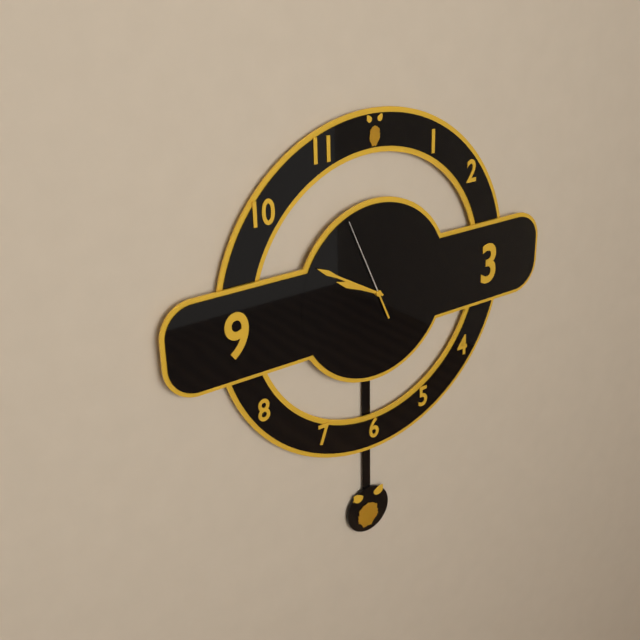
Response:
9h50m56s
